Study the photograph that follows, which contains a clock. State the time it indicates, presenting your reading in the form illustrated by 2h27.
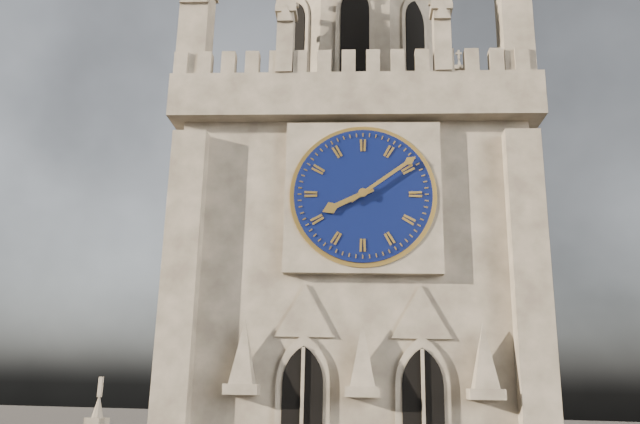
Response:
8h09
